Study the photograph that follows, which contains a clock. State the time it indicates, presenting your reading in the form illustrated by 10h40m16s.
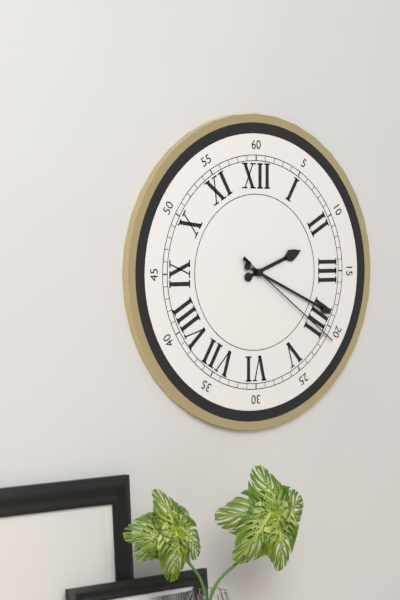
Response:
2h19m21s
